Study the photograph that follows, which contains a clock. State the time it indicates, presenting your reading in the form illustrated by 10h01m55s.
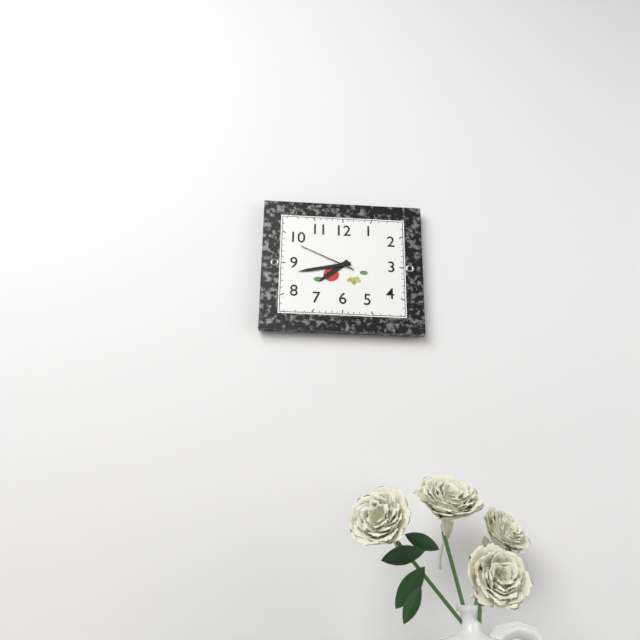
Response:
7h43m49s
